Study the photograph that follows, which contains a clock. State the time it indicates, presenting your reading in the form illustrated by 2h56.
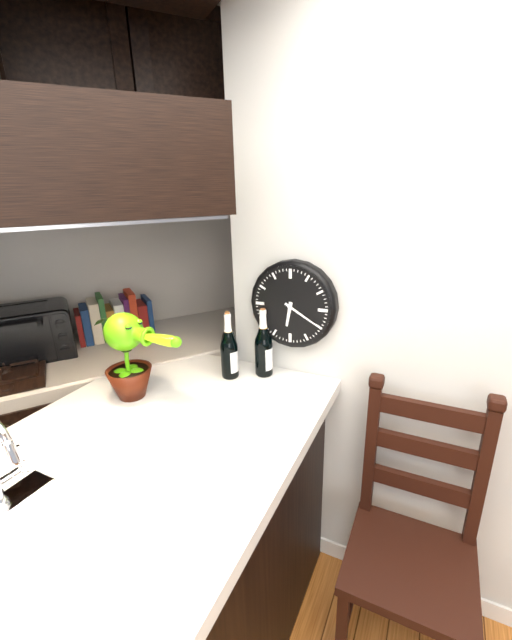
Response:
6h20
